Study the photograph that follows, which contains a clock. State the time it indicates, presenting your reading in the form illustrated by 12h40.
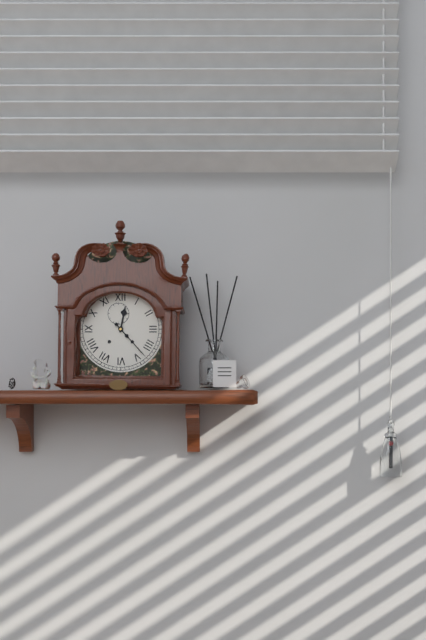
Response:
12h23
